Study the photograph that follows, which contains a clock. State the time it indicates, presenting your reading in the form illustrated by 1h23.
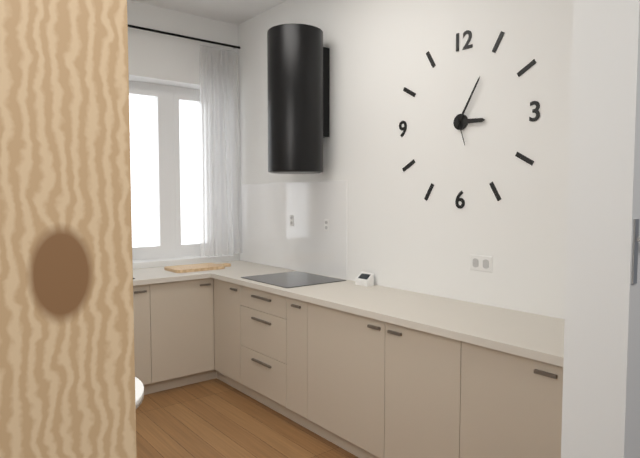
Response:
3h05
